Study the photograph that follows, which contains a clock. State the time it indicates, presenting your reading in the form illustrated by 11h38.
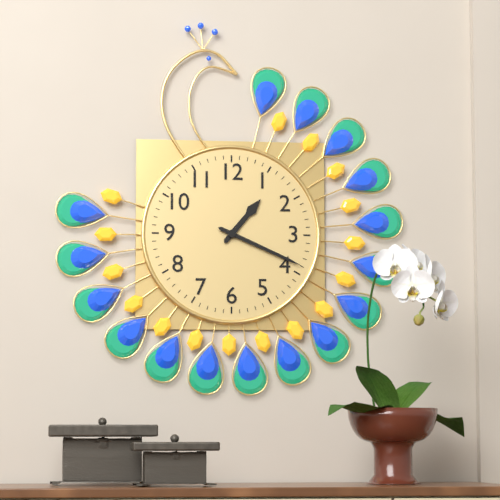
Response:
1h19
